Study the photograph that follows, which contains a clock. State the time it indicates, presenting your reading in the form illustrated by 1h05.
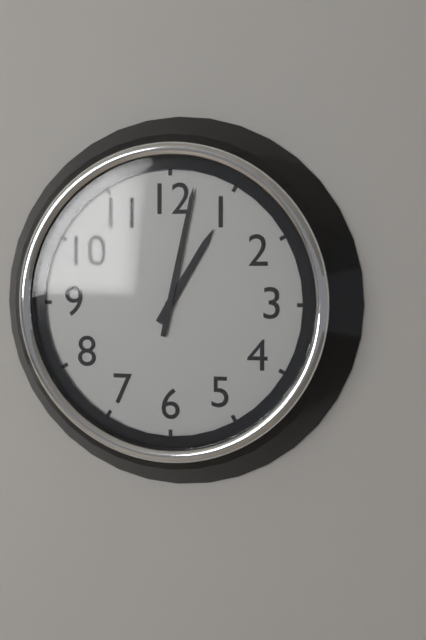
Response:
1h02
